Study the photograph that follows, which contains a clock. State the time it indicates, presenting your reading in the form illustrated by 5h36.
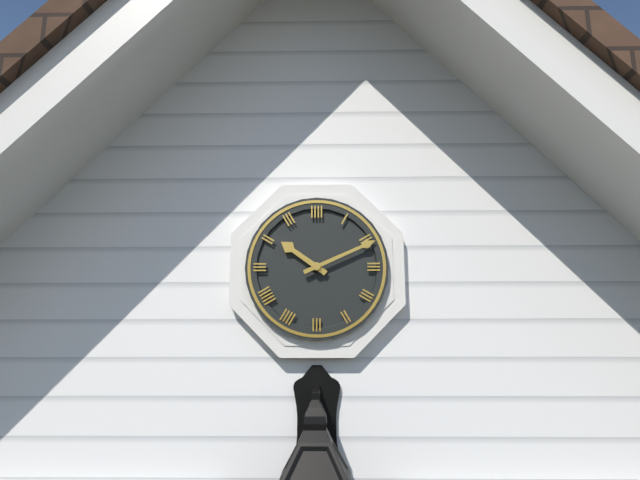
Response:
10h11
